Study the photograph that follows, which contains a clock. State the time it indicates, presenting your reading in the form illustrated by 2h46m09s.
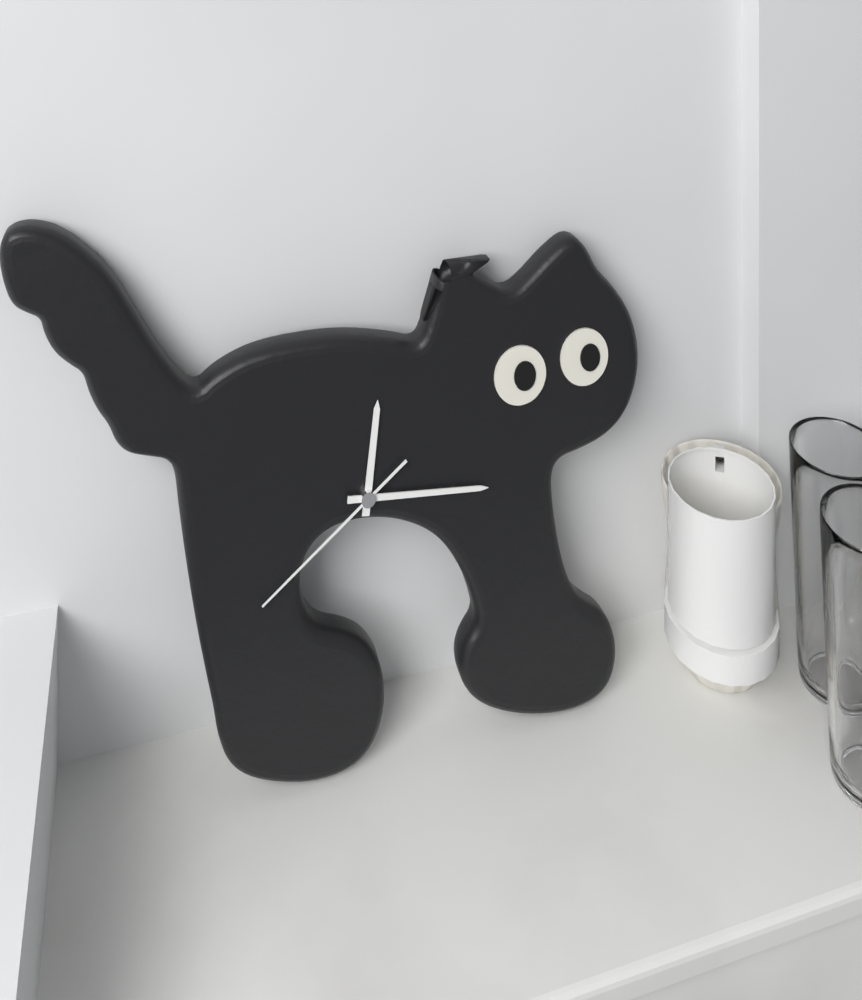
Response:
12h16m39s
